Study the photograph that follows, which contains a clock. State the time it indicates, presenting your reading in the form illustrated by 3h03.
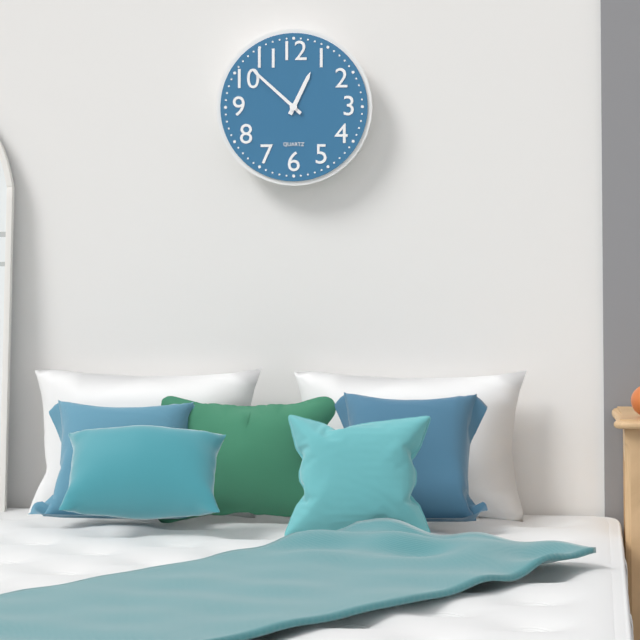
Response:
12h52
